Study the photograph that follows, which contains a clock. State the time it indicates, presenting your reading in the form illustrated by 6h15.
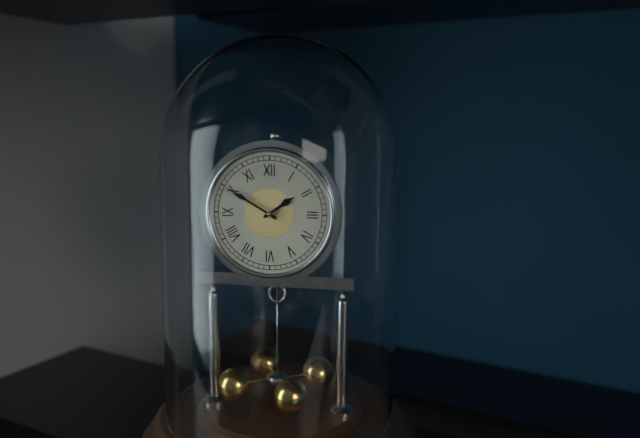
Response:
1h50
